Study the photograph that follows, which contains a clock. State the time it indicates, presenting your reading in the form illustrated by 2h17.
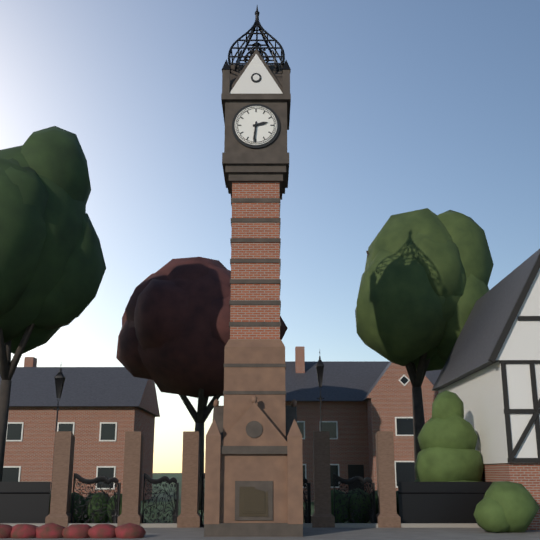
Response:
2h31
